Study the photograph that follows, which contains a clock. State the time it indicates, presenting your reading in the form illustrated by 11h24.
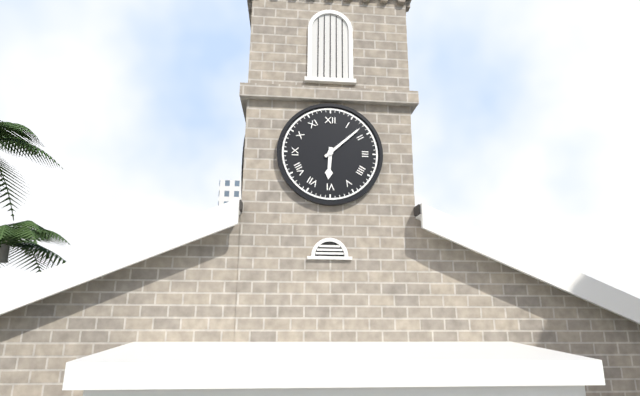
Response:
6h08
